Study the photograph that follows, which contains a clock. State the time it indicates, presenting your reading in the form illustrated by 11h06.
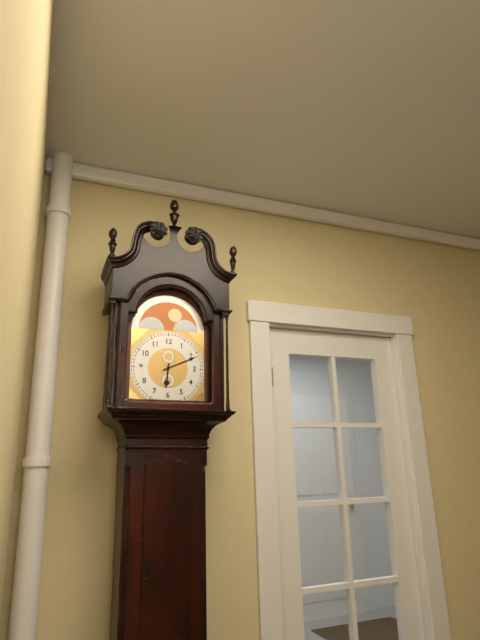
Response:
6h11
